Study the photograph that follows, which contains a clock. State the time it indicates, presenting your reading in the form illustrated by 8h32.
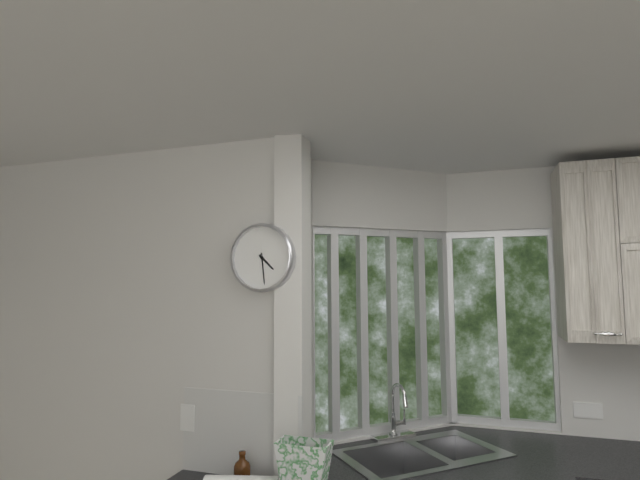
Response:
4h29
